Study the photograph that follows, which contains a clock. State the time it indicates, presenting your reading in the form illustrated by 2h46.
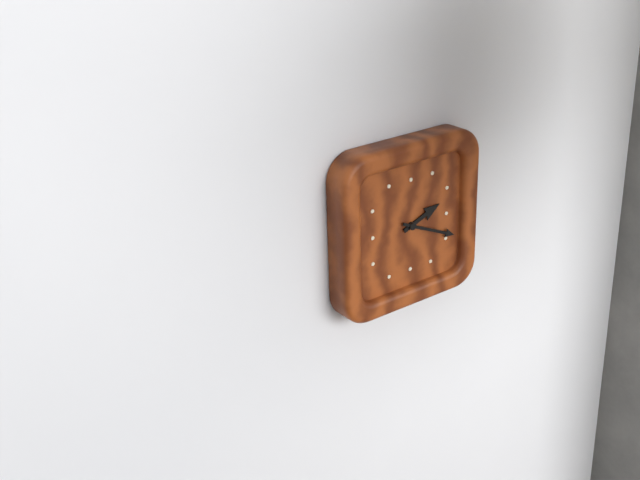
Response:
2h19
